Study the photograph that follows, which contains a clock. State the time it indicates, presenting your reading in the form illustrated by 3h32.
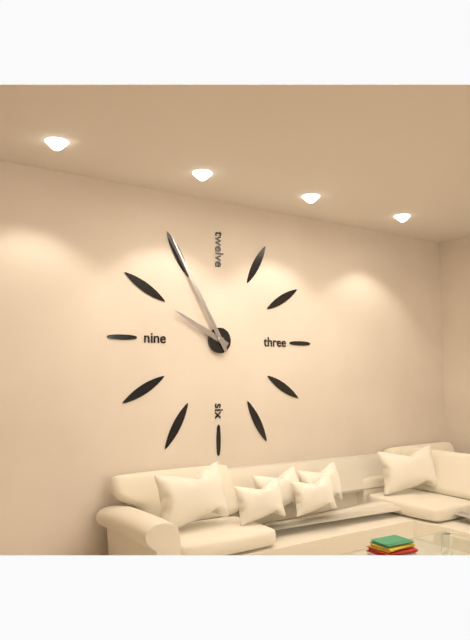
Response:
9h55
